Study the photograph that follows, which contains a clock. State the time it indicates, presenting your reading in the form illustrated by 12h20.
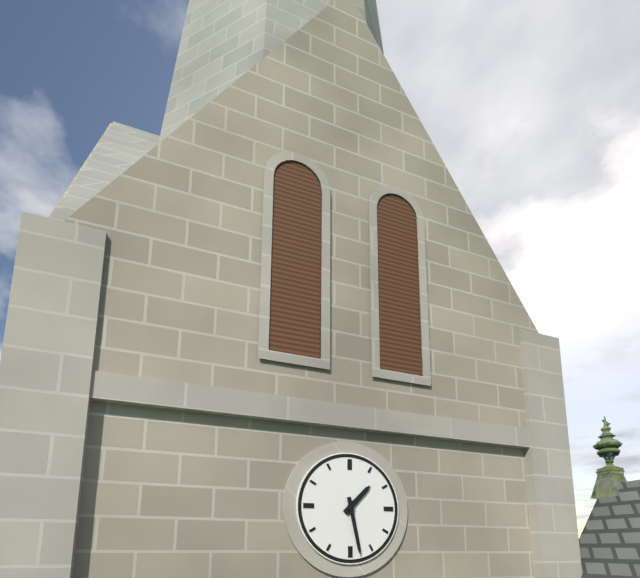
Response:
1h28
